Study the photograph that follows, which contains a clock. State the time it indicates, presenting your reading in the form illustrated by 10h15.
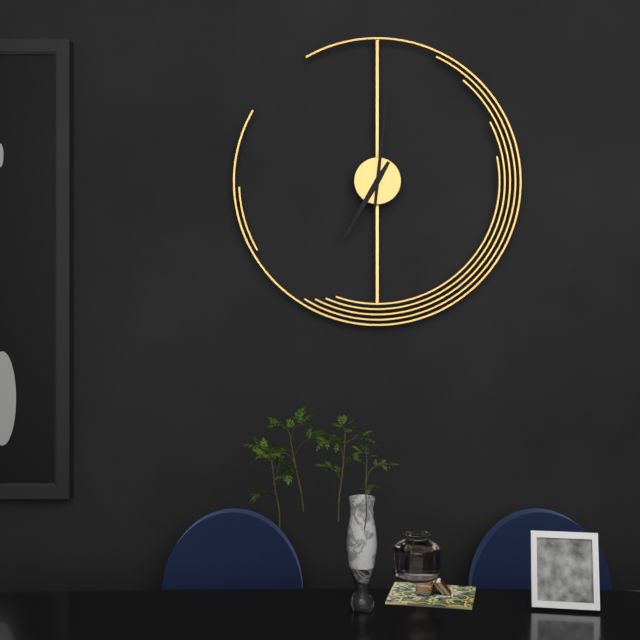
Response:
7h01
